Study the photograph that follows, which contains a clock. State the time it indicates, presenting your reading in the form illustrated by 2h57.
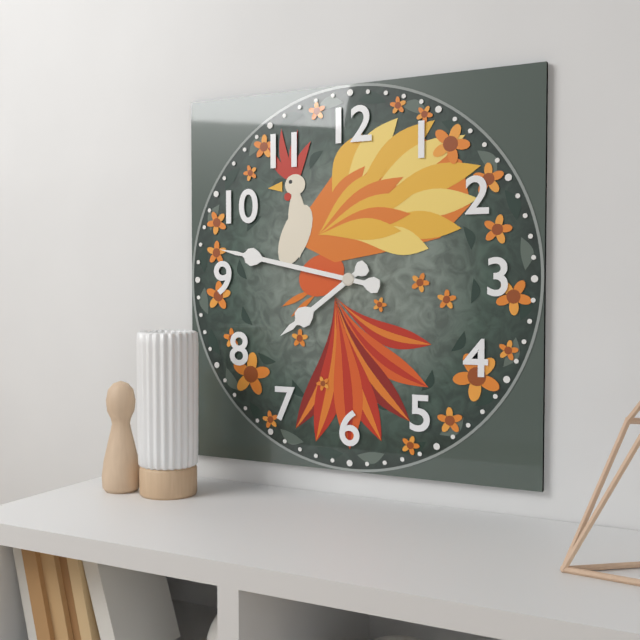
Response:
7h47
